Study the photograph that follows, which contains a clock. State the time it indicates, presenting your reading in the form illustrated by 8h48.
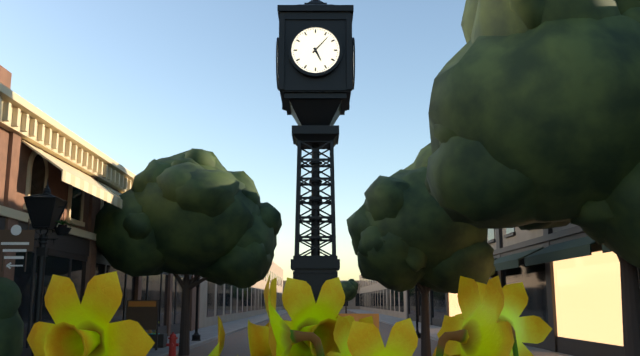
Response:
5h07
